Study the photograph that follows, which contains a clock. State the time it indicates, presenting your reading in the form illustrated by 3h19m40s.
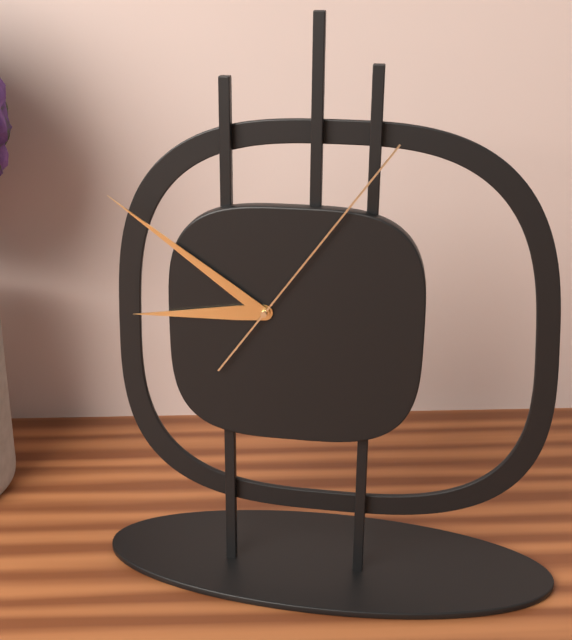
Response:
8h51m06s
